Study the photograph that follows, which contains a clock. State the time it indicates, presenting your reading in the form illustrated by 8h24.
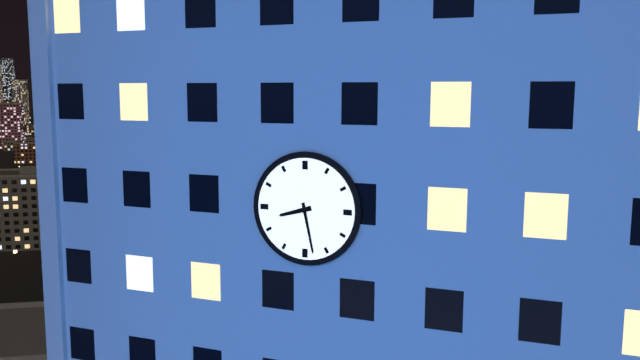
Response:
8h28
